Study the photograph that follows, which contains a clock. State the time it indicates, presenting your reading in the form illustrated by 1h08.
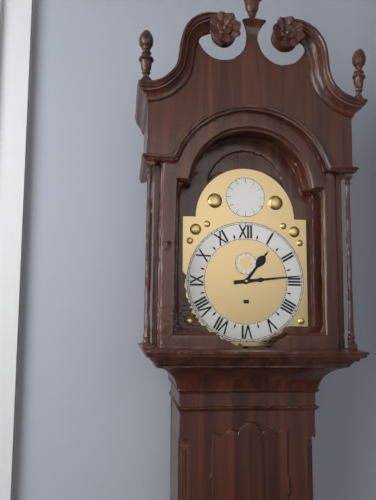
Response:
1h14
